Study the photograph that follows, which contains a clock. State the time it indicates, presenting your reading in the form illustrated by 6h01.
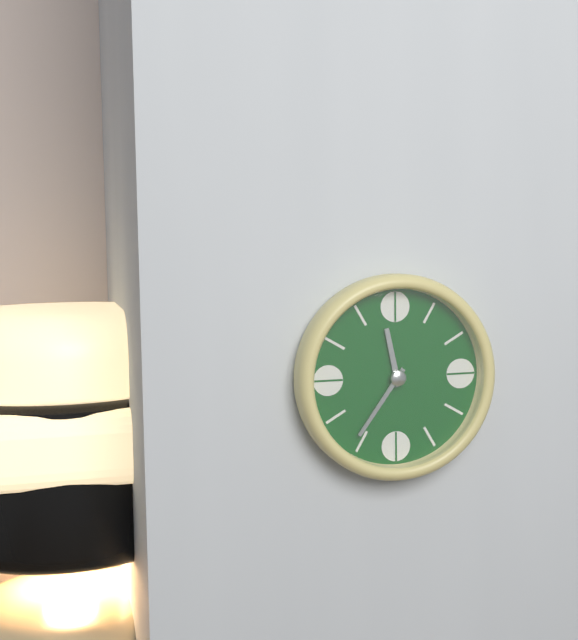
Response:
11h36
